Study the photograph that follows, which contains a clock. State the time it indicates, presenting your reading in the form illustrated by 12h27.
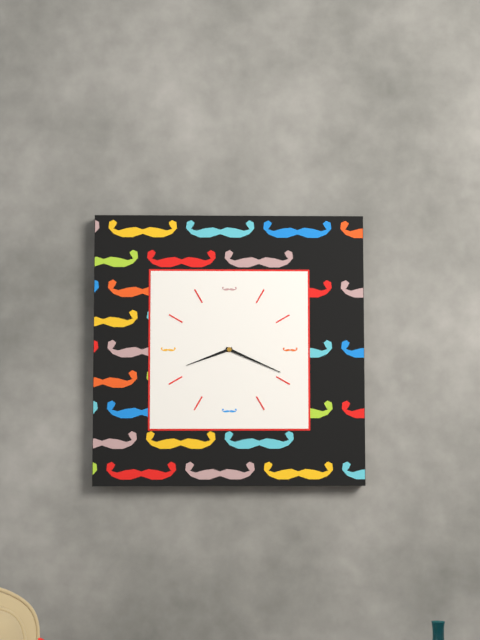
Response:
8h19
